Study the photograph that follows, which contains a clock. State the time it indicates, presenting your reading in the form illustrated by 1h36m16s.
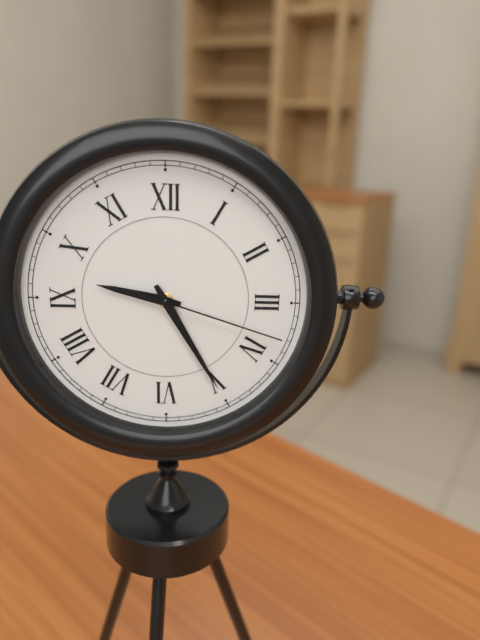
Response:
9h25m18s
